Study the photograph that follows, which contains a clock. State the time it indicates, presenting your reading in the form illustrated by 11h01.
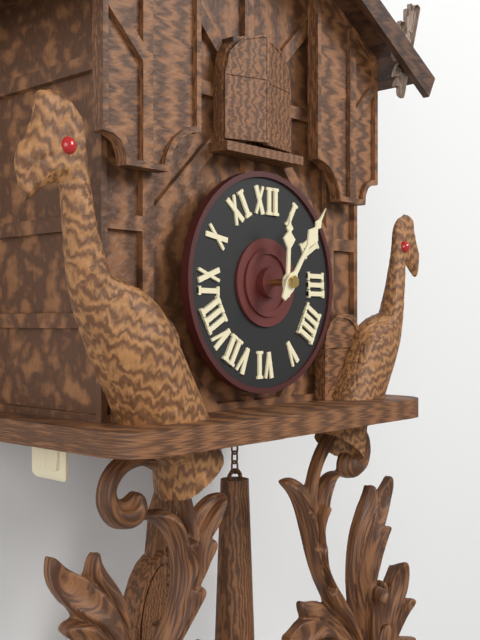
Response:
12h06
